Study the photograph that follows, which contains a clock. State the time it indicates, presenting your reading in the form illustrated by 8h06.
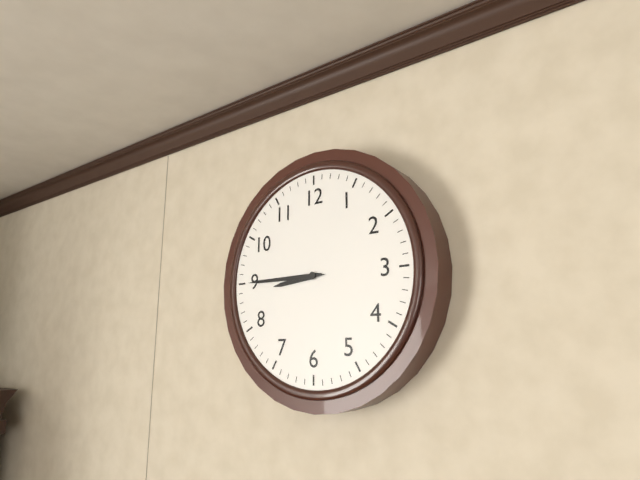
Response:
8h45
